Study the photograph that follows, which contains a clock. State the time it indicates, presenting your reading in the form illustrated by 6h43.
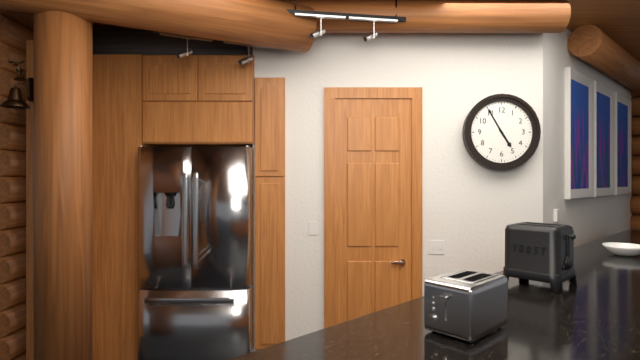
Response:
4h55
